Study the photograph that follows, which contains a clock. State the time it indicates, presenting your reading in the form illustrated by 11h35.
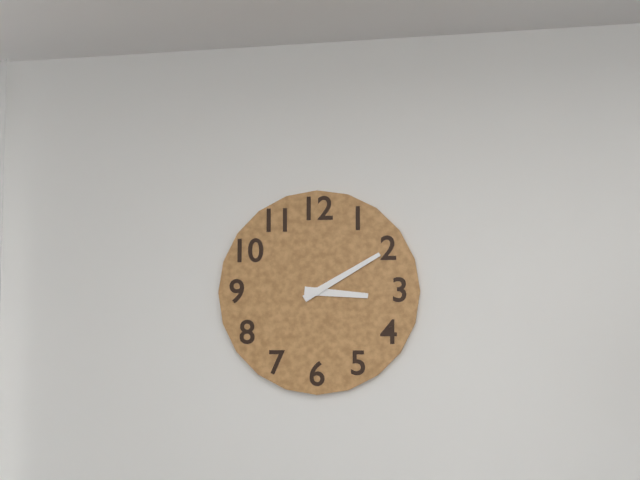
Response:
3h10
